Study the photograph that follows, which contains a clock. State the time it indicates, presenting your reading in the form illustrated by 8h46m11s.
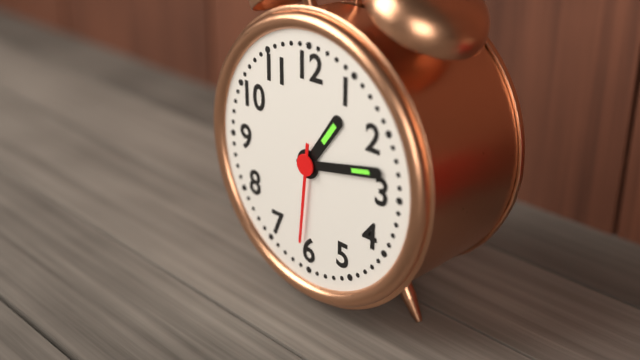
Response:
1h13m31s
